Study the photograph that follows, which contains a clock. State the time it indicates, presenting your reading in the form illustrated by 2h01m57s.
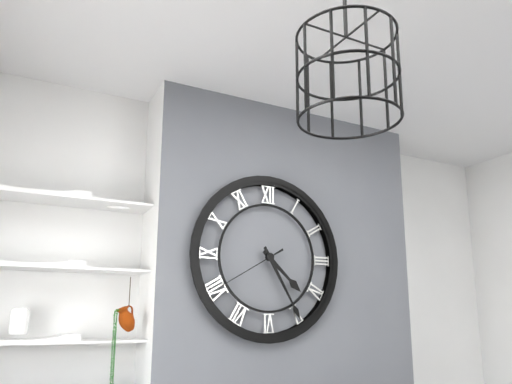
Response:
4h25m40s
